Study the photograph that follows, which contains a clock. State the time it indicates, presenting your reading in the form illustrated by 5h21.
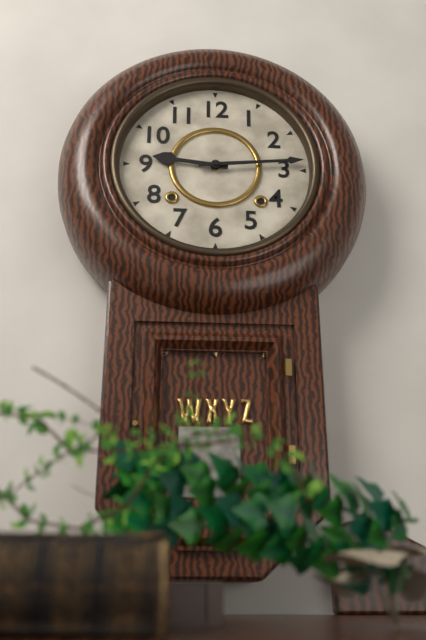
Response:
9h14
